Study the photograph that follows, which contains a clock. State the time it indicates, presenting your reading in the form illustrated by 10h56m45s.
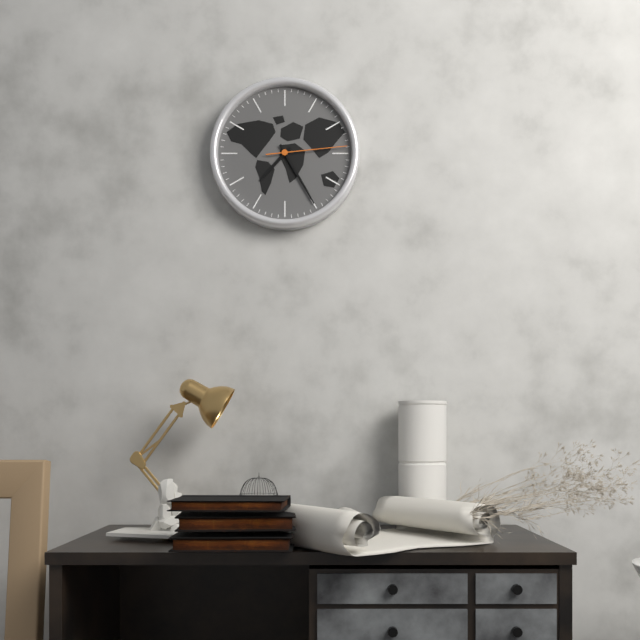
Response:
7h25m14s
